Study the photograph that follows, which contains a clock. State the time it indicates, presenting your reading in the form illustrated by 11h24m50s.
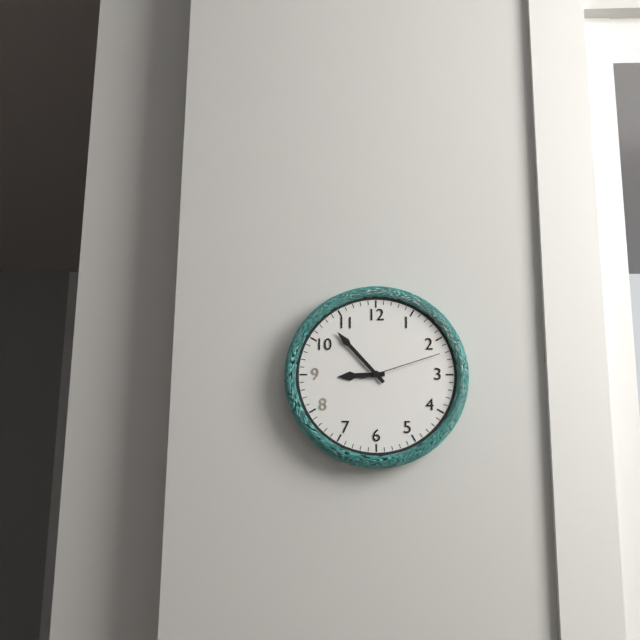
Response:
8h53m12s
